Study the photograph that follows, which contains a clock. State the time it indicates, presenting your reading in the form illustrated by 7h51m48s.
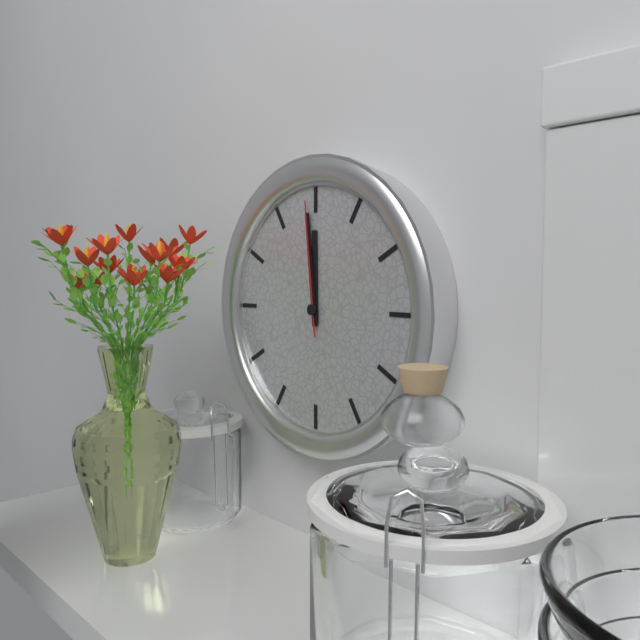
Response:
11h59m59s
